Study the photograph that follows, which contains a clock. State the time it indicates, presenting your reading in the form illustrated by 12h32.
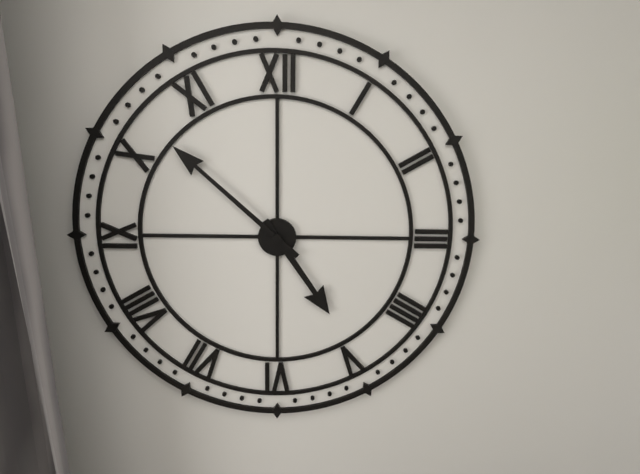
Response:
4h52
